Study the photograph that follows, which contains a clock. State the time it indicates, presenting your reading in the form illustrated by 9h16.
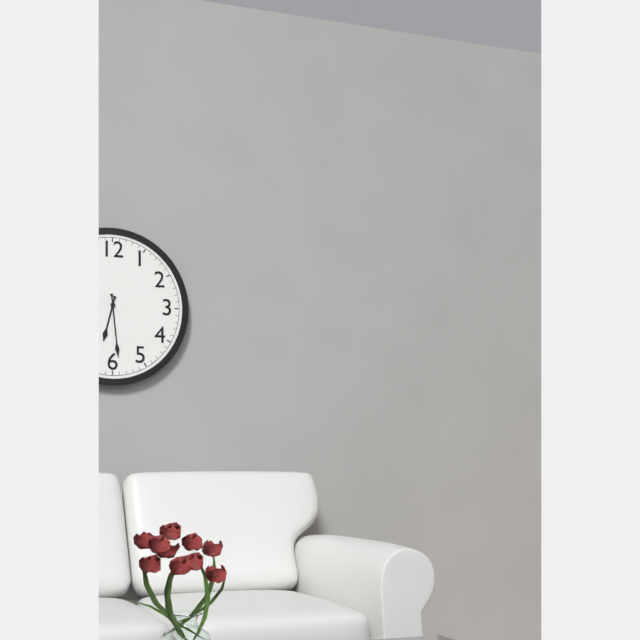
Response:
6h29
